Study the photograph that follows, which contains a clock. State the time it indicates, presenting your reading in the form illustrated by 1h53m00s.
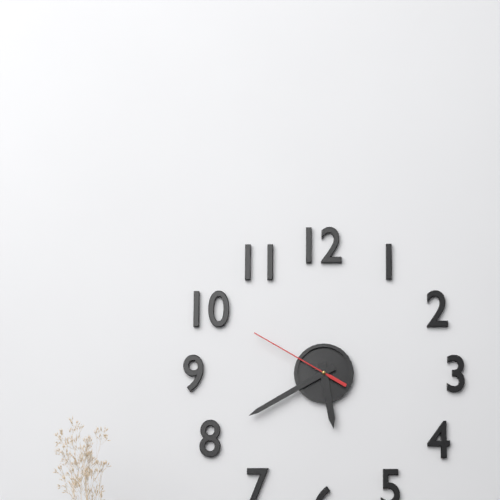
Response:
5h40m50s
